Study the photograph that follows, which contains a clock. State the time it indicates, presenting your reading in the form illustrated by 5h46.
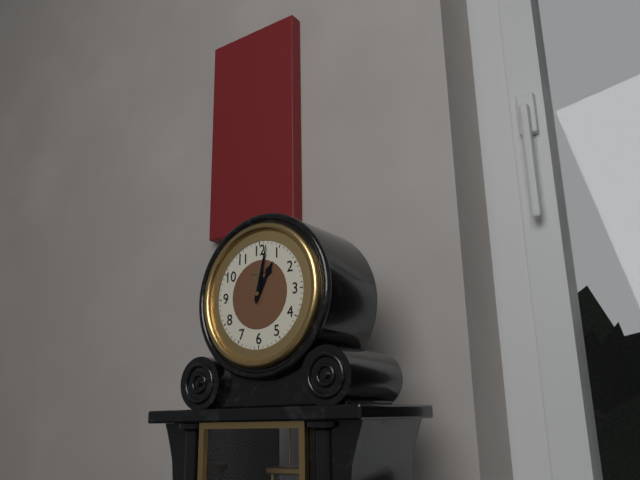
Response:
1h02
